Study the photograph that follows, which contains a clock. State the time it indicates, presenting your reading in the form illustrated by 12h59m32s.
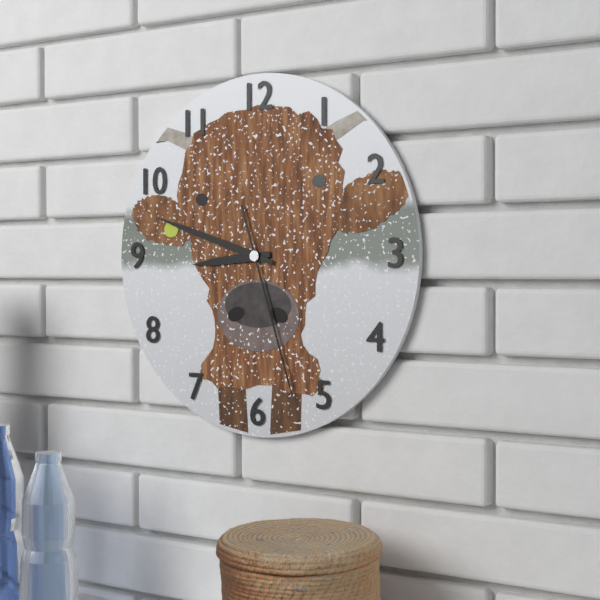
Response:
8h48m27s
